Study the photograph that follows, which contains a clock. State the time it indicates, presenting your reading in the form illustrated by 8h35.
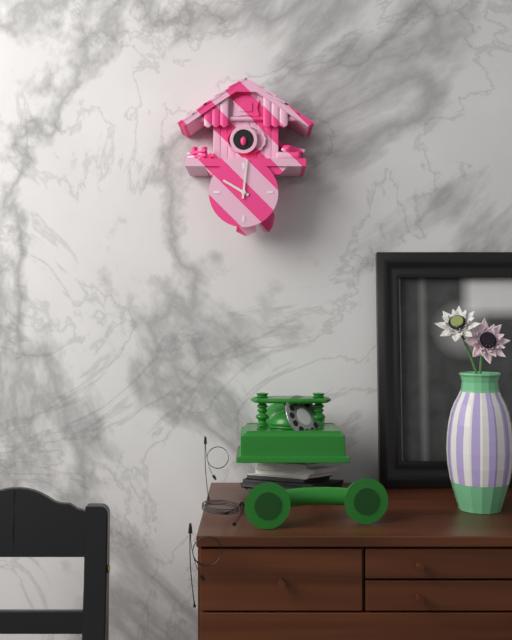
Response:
10h01
